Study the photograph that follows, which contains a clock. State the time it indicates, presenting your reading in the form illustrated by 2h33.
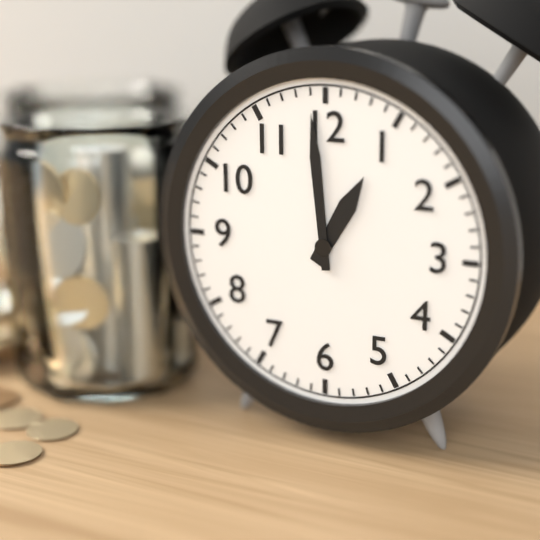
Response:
12h59
